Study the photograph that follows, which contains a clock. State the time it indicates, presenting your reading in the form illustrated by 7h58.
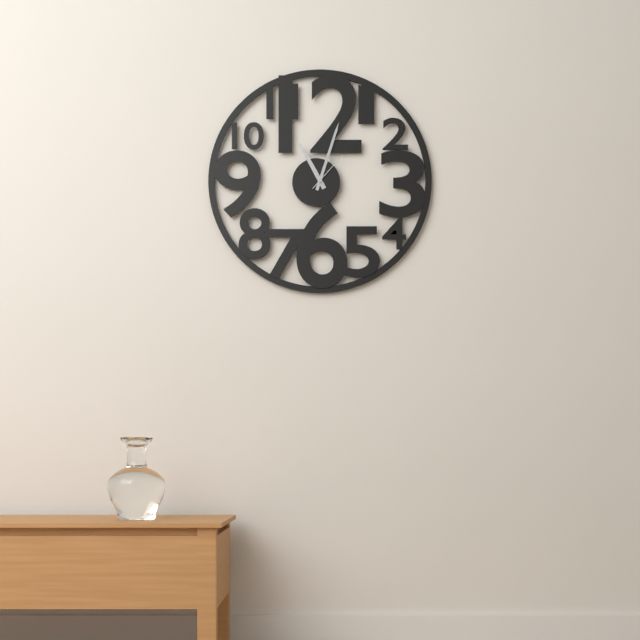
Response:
11h03
